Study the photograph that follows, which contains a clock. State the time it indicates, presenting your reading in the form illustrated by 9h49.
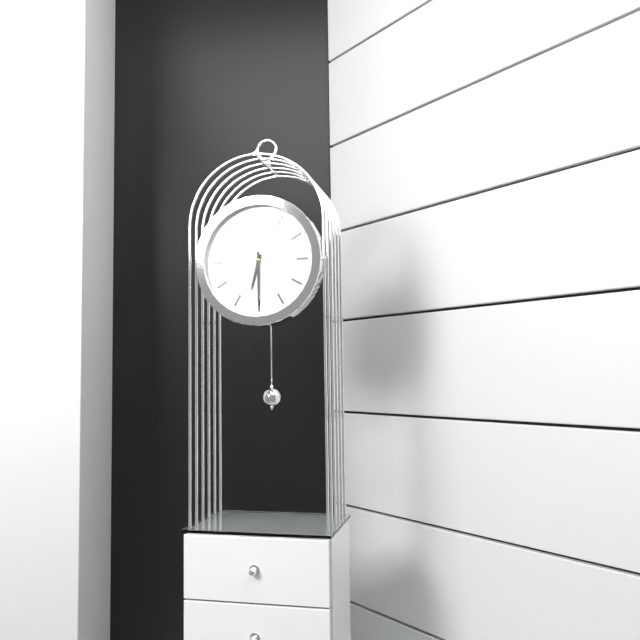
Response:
6h30
